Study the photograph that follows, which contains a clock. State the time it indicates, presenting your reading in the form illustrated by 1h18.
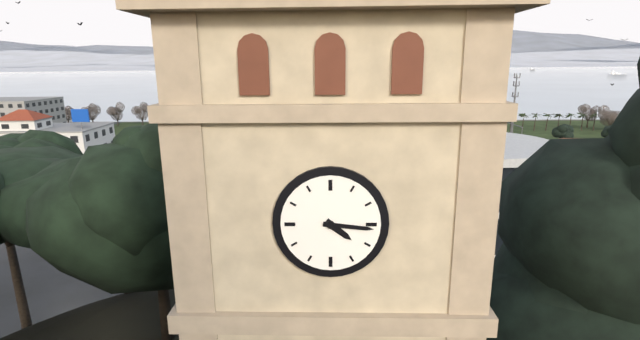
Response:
4h16
